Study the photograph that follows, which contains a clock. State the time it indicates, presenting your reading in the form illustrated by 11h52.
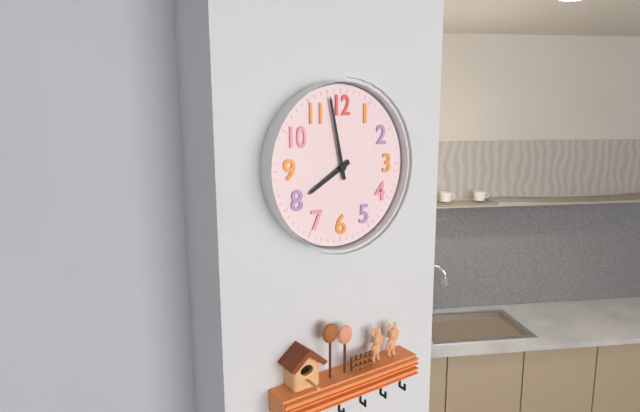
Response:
7h58
